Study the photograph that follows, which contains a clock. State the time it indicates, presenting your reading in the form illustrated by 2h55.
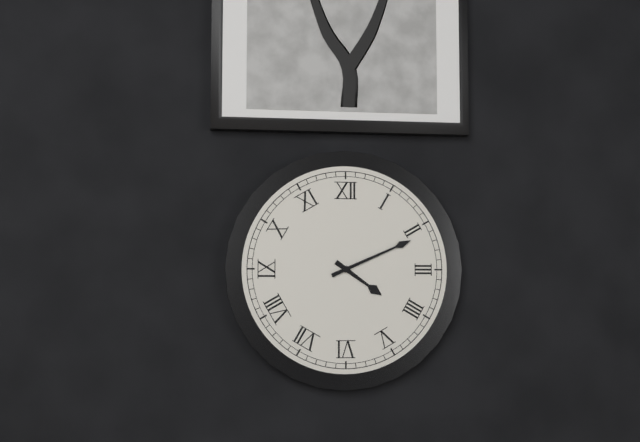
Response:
4h11
